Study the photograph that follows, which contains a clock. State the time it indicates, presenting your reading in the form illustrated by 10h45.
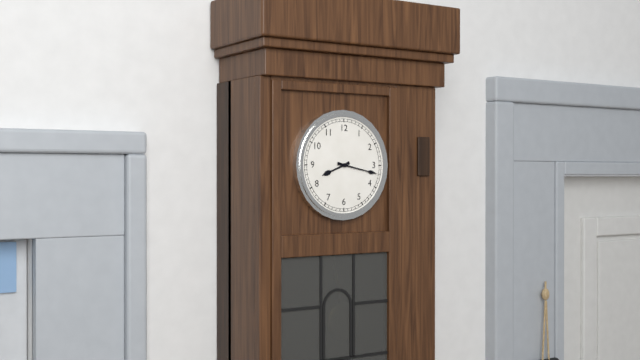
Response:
8h17
